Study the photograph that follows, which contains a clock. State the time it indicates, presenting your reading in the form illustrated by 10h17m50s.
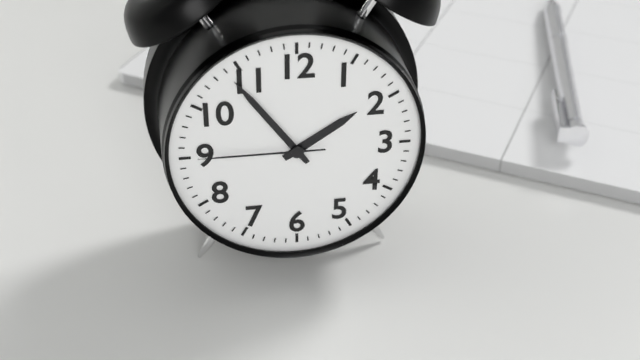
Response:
1h54m45s
